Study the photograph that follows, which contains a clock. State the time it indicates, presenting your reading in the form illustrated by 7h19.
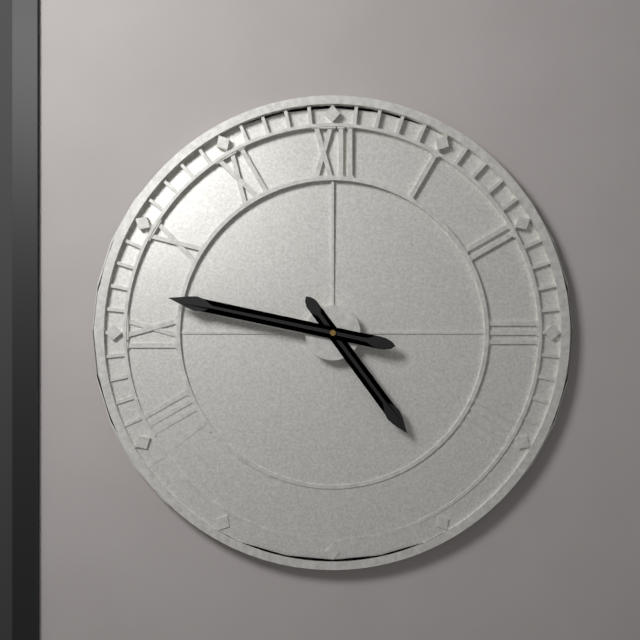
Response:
4h47
